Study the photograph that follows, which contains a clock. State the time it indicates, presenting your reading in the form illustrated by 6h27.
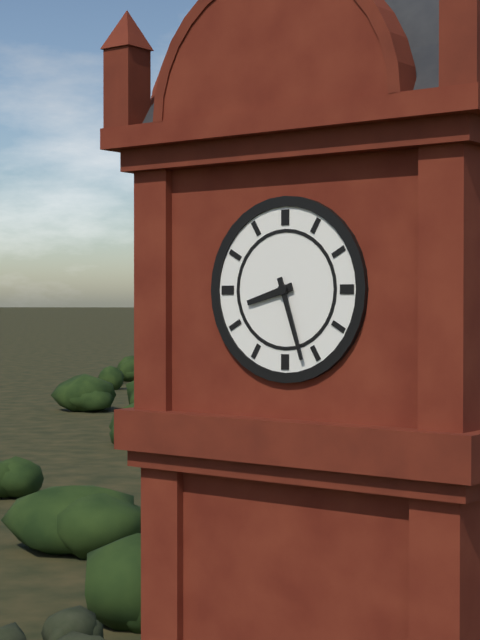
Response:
8h27
